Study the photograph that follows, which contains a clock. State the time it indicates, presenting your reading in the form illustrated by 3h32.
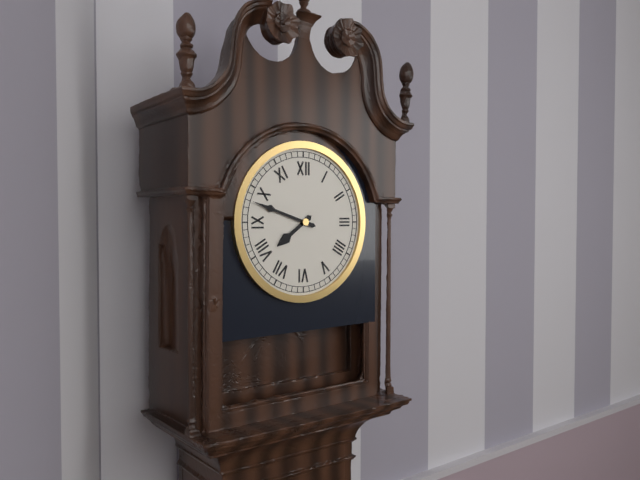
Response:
7h48
